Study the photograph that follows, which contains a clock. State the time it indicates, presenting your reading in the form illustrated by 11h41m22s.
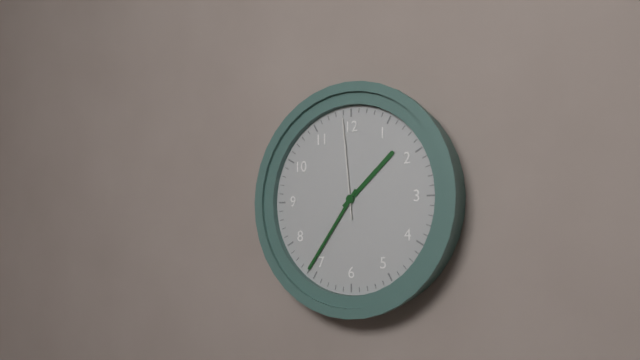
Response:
1h36m59s
